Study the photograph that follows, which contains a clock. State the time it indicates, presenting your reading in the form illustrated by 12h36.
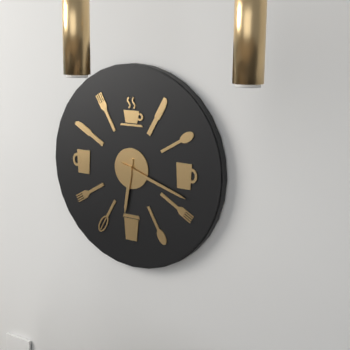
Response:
6h18
